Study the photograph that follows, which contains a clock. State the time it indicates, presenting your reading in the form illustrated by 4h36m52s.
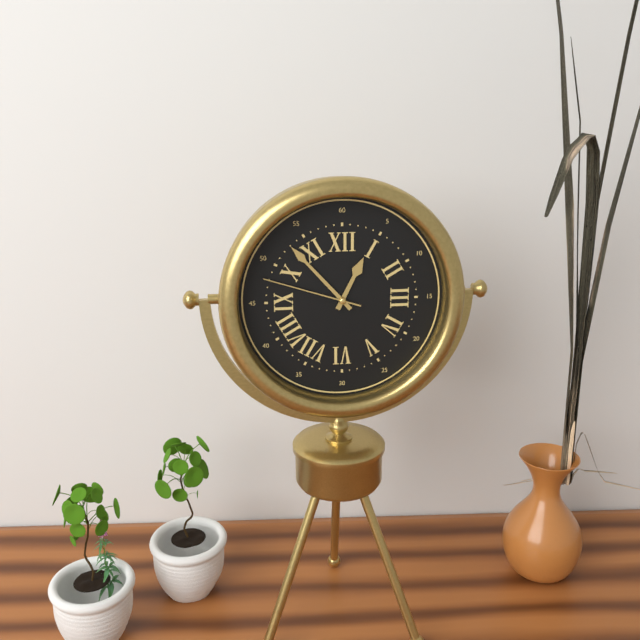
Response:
12h53m48s
